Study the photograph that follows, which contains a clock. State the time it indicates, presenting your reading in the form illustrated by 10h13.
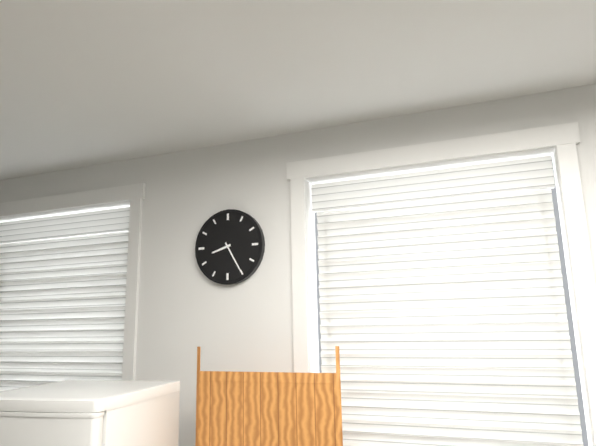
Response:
8h25
